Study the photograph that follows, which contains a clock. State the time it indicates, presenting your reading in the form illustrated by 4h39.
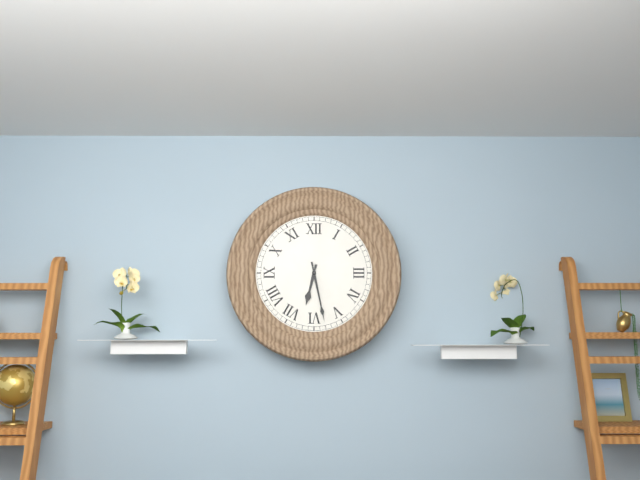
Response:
6h28
